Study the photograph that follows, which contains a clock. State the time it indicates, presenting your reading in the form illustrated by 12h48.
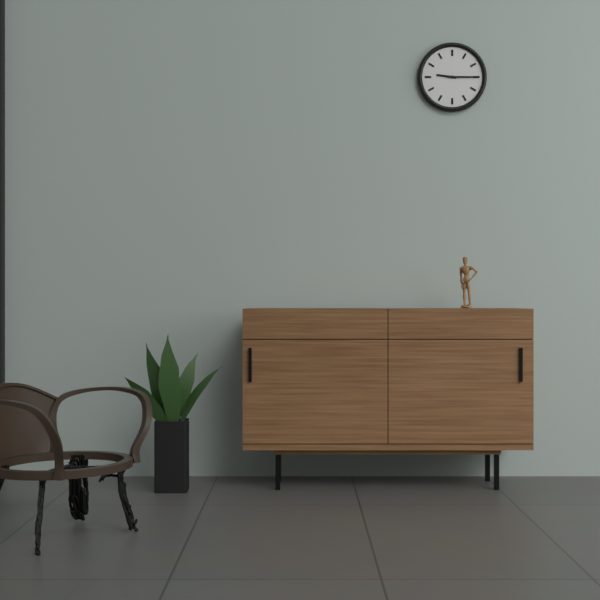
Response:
9h15
